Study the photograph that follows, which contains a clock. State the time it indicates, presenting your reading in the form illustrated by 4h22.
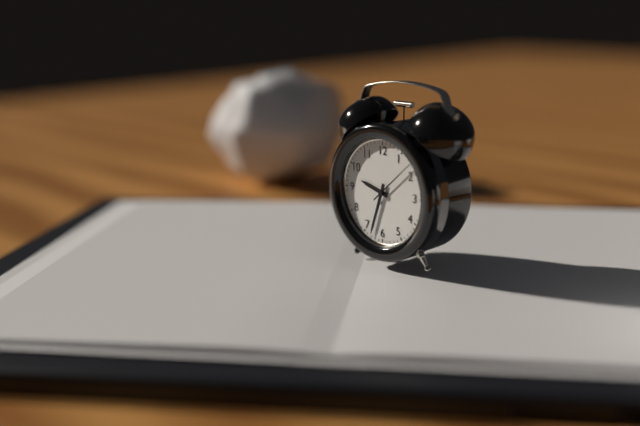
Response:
9h33
